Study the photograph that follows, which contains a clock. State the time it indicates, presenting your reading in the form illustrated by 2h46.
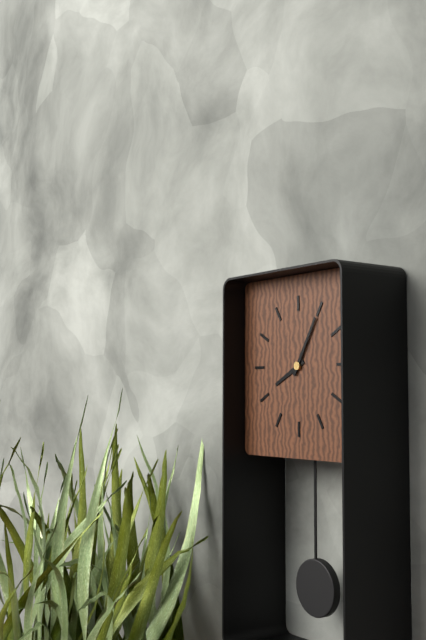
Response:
8h05
